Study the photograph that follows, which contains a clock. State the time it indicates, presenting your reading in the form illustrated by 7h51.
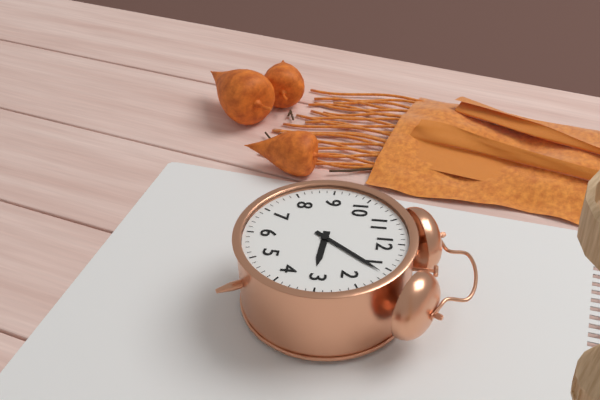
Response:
3h06
